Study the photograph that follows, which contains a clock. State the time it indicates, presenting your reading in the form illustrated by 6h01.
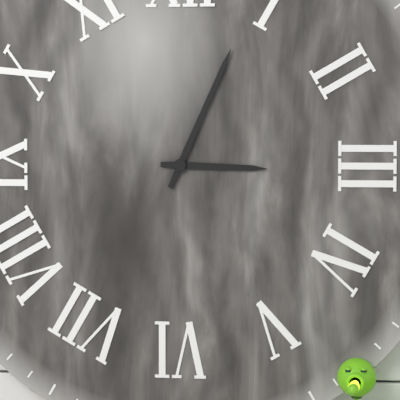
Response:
3h04
